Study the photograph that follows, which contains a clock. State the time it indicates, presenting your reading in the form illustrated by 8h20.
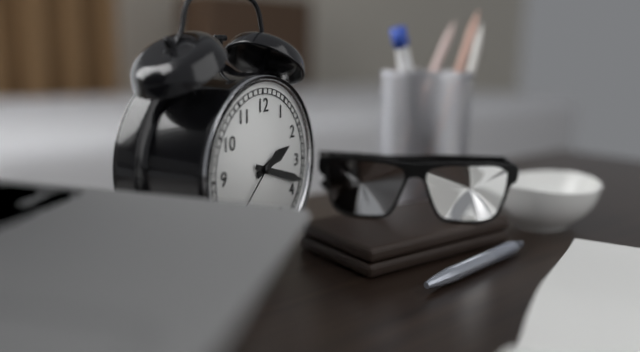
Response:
2h18
